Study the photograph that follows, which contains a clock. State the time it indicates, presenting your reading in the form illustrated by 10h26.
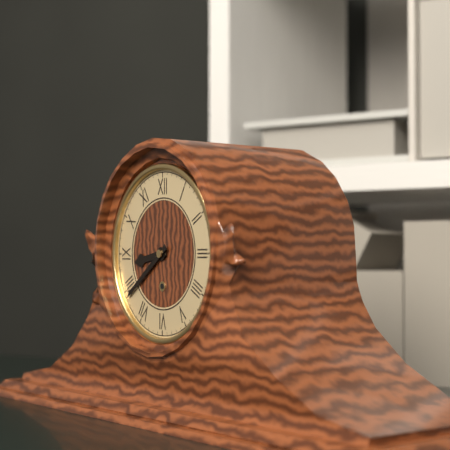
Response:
8h39
